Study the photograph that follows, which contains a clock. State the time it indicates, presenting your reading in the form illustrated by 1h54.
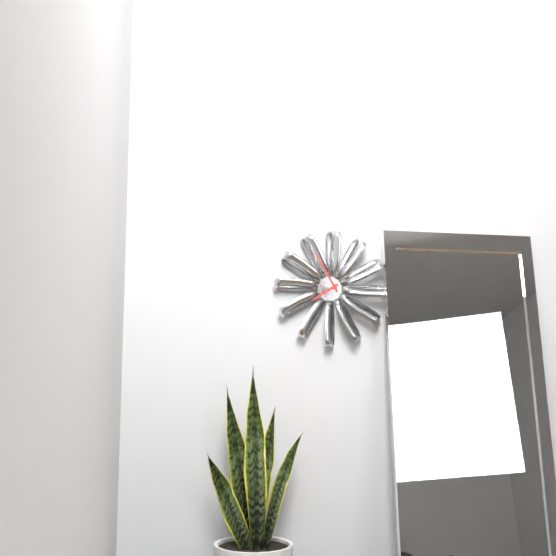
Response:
7h55
